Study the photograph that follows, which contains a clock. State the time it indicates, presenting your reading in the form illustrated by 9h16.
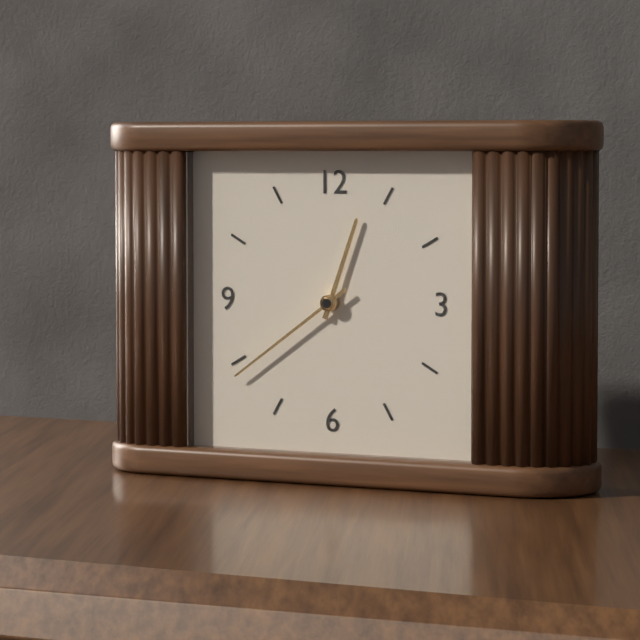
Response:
12h39
